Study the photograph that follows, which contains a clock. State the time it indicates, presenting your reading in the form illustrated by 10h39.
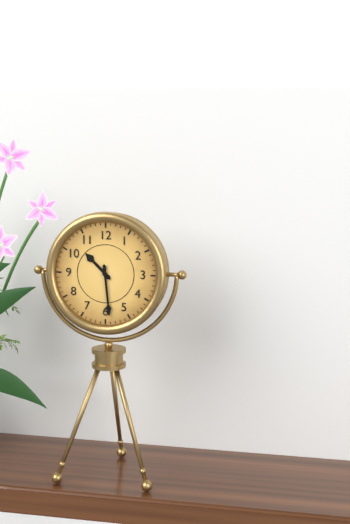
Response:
10h29
